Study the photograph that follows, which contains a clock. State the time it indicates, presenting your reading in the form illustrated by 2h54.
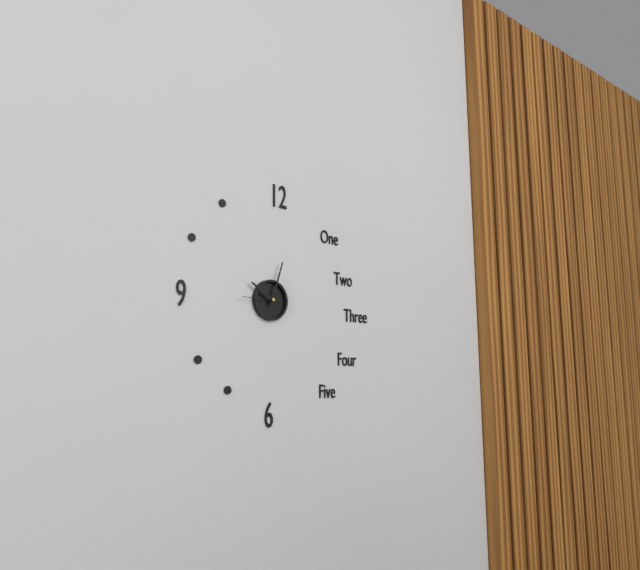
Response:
10h03
